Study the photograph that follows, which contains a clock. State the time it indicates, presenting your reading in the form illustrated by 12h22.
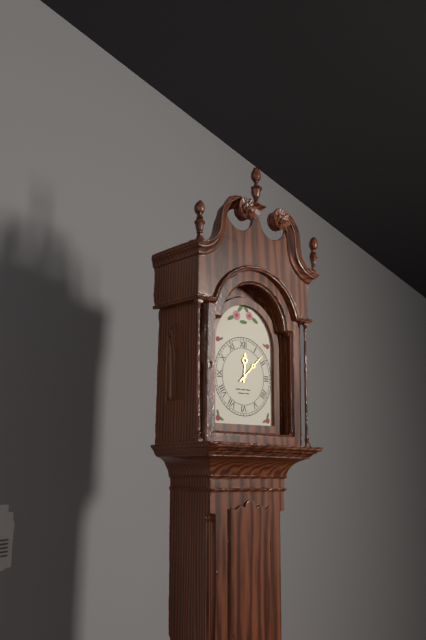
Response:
12h08
